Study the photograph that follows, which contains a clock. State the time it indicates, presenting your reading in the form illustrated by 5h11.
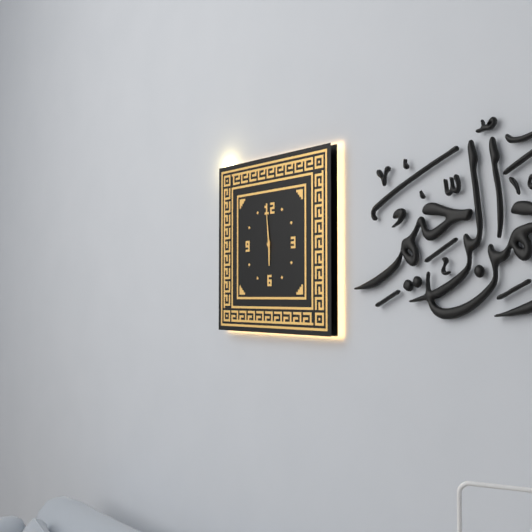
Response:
5h59
